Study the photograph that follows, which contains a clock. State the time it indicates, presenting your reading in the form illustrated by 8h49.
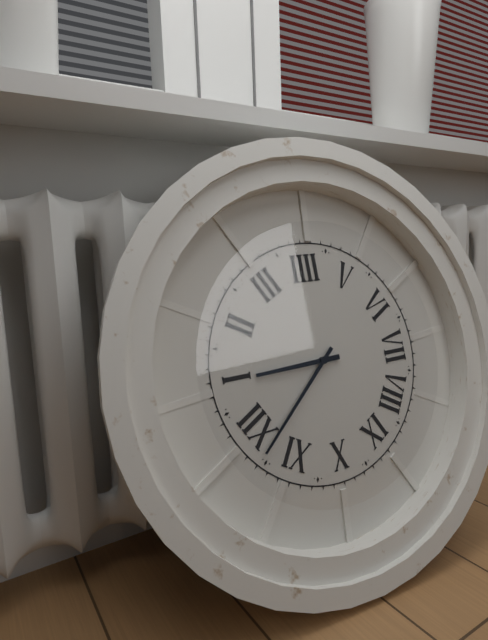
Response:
12h58
